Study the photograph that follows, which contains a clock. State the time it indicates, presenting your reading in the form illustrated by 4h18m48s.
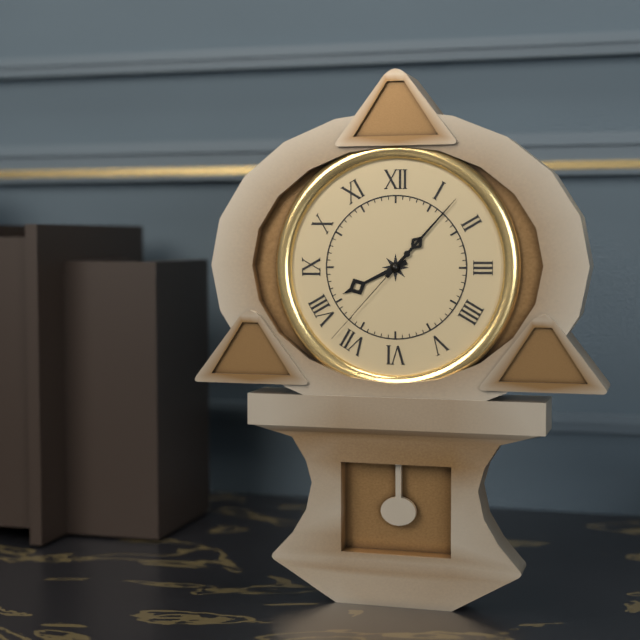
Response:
8h07m37s
